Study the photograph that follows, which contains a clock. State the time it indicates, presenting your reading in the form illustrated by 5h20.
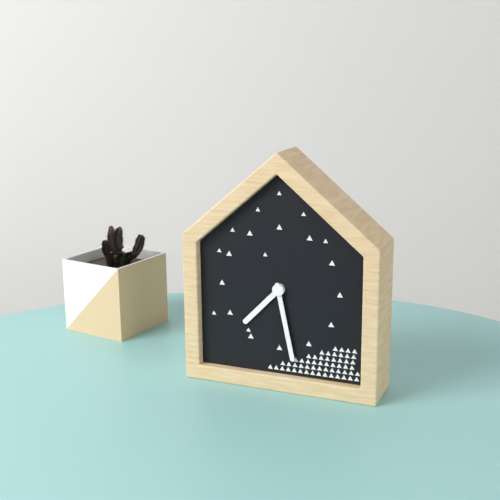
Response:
7h28
